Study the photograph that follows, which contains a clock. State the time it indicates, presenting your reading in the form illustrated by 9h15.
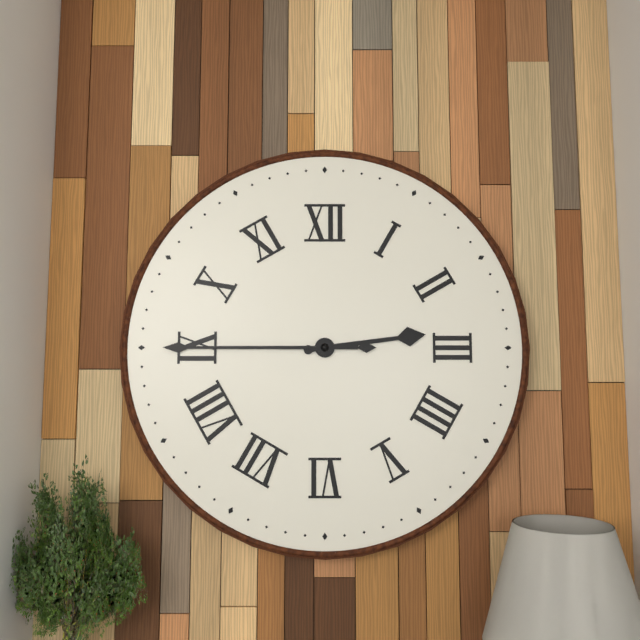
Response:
2h45
